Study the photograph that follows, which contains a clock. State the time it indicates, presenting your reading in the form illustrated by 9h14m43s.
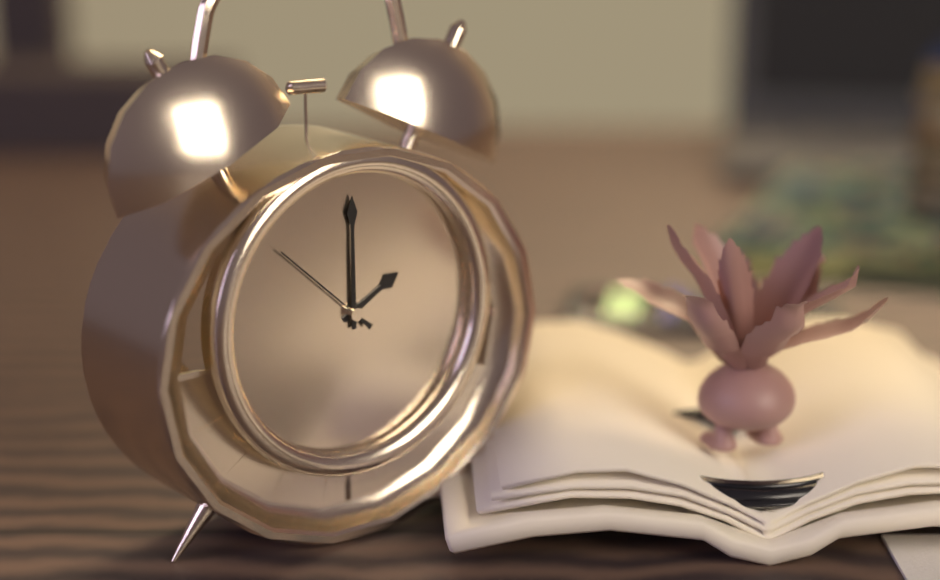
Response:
2h00m52s
